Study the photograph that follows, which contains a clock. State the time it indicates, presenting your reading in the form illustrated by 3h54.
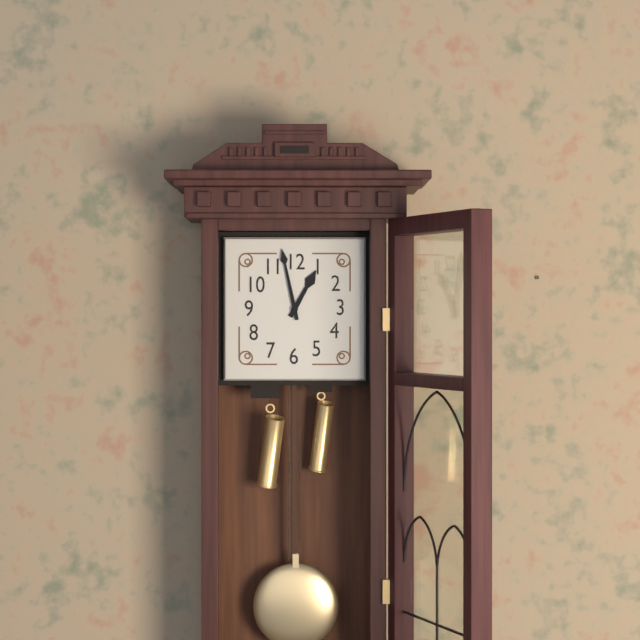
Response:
12h58
